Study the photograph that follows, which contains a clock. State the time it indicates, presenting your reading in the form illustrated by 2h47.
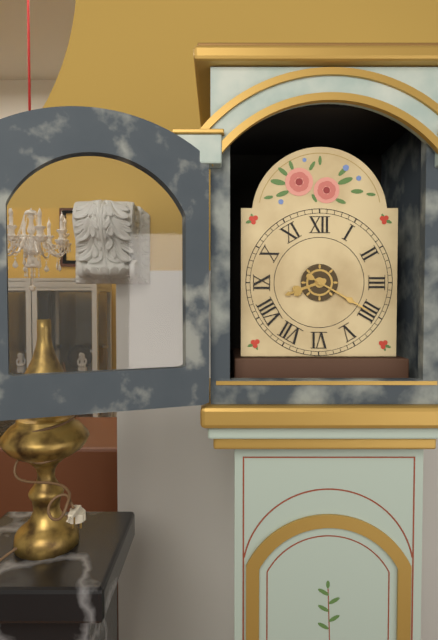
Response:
8h20
